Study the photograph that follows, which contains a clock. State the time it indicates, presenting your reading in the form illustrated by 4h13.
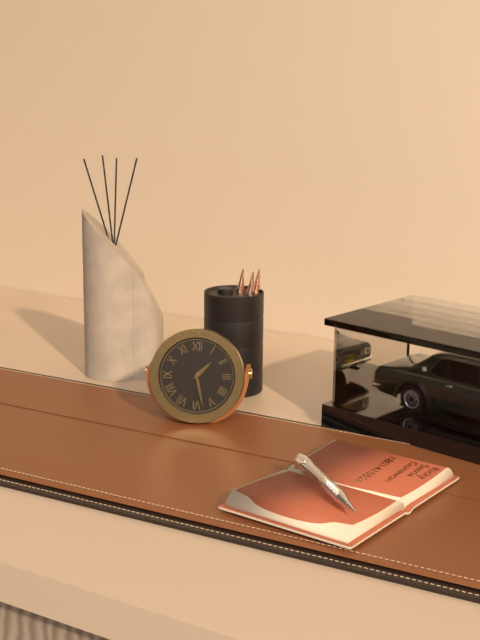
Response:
1h28
